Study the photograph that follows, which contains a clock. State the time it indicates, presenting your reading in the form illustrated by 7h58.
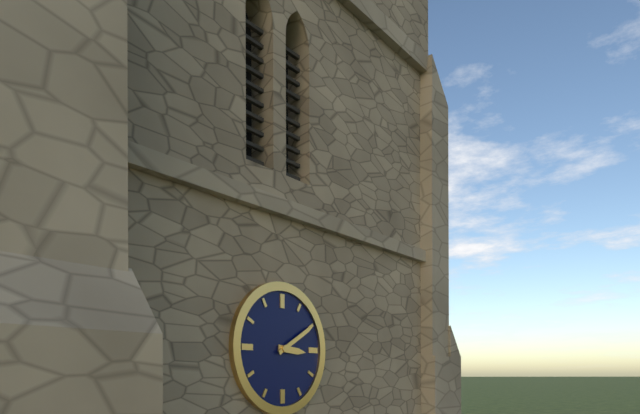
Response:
3h10
